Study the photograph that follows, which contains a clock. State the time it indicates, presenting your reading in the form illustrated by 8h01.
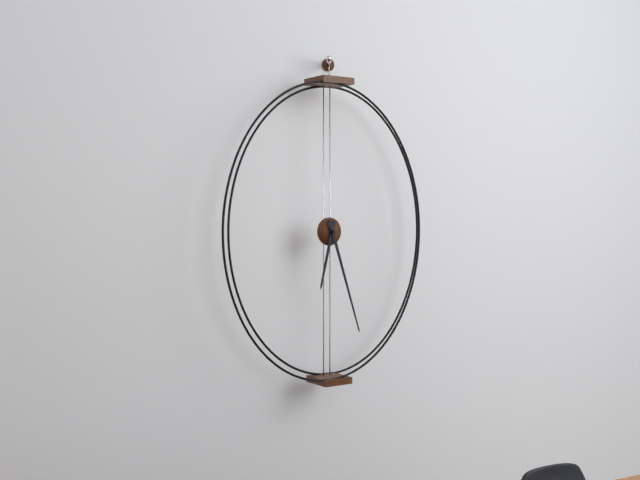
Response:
6h27
